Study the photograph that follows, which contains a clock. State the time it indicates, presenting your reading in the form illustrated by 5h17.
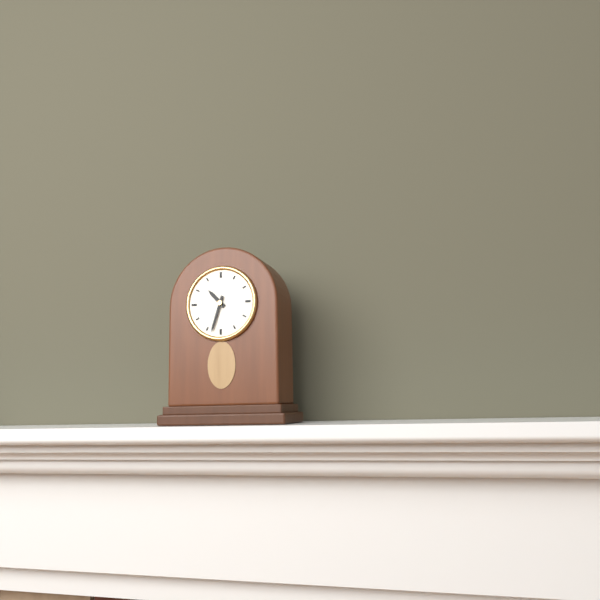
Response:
10h33
